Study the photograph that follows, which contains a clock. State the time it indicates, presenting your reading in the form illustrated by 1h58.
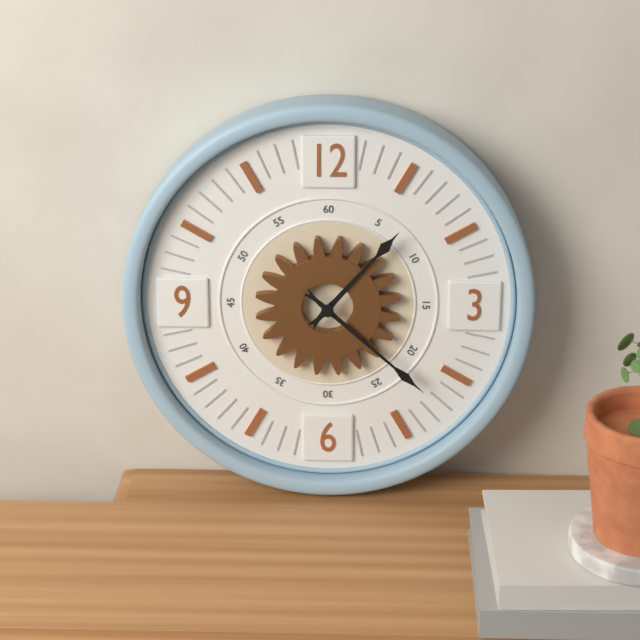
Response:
1h22
